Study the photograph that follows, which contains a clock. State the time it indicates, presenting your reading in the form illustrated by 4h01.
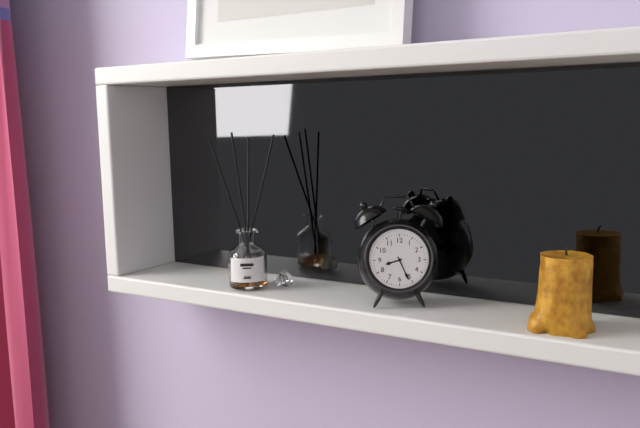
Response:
8h26
